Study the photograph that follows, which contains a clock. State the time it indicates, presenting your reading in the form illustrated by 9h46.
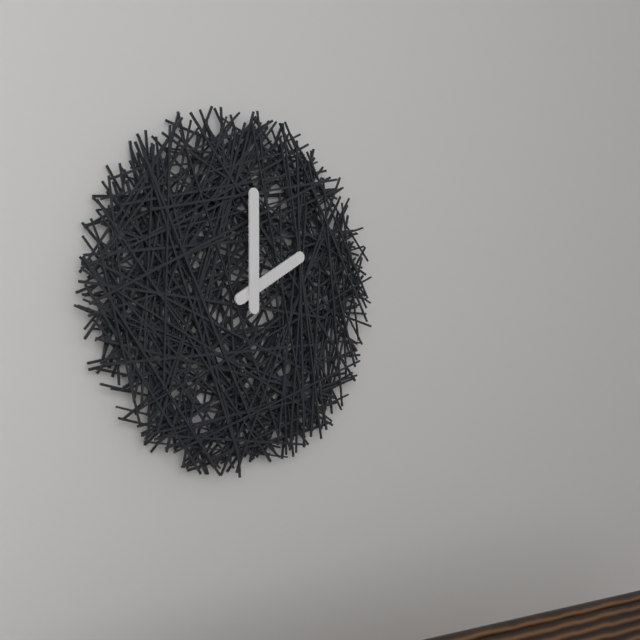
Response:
2h00
